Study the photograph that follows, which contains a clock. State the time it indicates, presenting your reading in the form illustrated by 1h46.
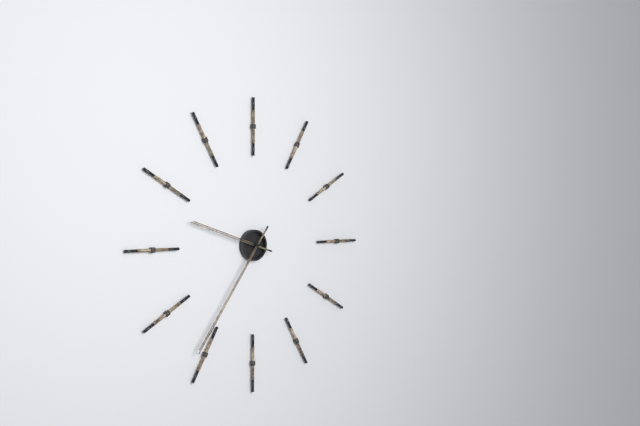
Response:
9h36
